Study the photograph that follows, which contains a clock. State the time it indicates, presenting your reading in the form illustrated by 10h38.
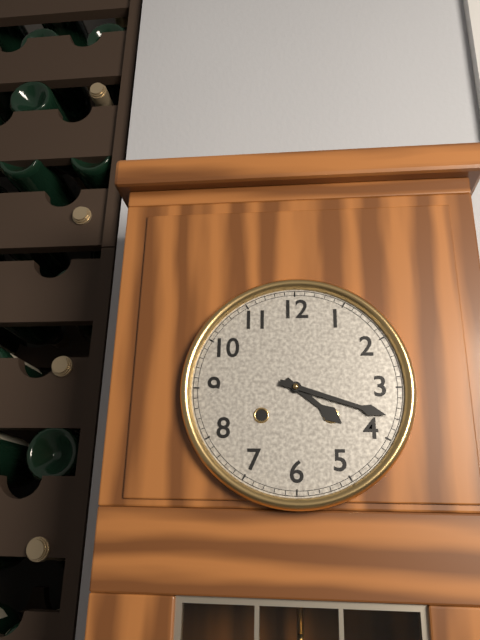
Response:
4h18
